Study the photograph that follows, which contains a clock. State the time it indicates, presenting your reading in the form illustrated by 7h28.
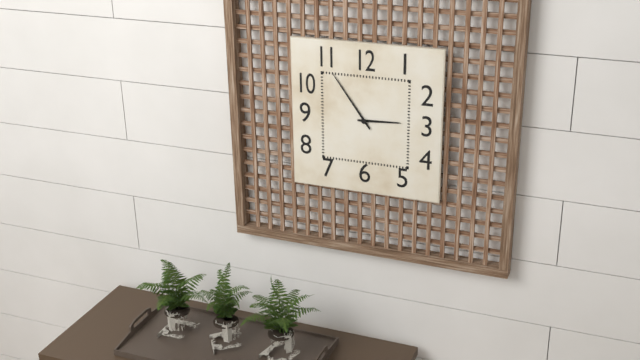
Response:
2h54
